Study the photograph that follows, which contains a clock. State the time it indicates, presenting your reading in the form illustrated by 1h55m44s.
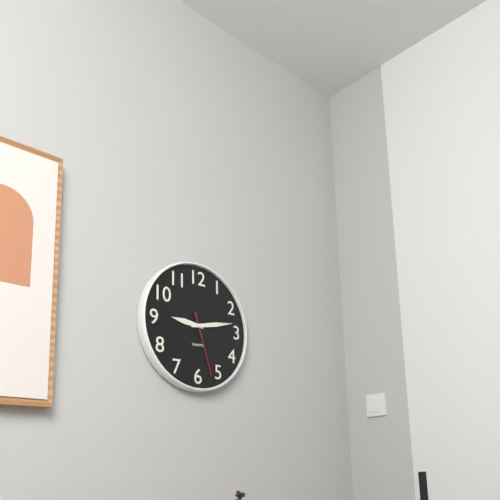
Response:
9h13m27s
